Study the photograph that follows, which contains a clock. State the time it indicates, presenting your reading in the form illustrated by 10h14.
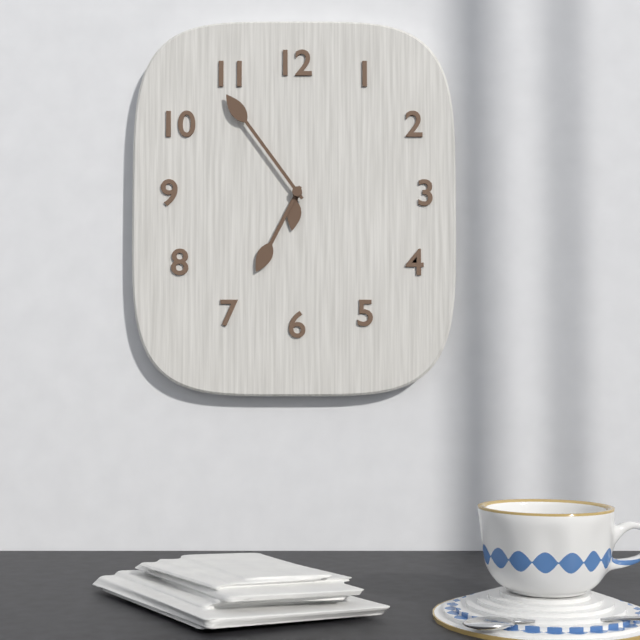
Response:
6h54
